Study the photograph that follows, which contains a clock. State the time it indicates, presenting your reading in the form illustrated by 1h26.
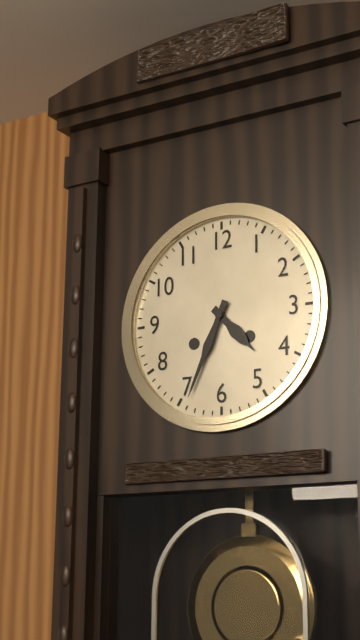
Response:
4h34
